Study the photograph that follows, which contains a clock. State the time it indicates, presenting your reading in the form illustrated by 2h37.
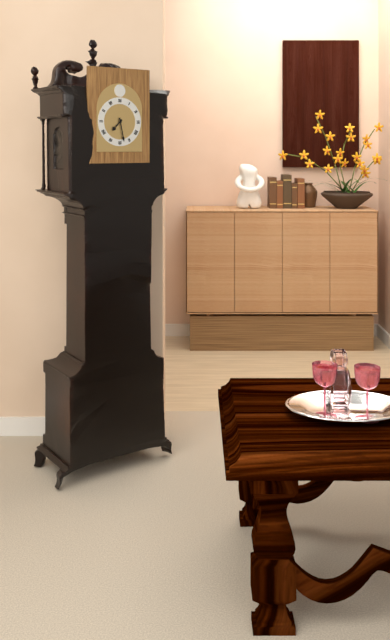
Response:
7h28
